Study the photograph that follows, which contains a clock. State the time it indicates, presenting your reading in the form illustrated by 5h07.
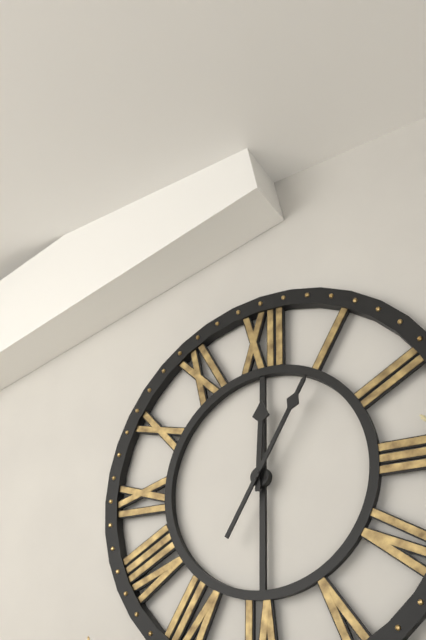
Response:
12h05
